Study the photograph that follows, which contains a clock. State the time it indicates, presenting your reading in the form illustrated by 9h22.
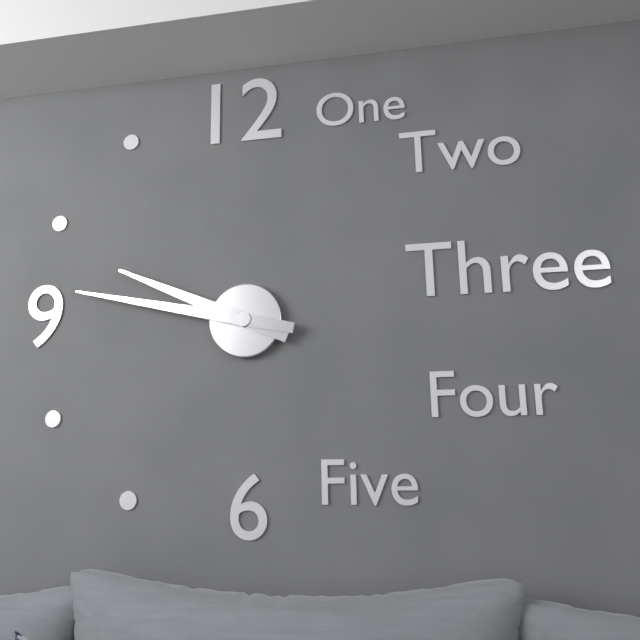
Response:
9h47
